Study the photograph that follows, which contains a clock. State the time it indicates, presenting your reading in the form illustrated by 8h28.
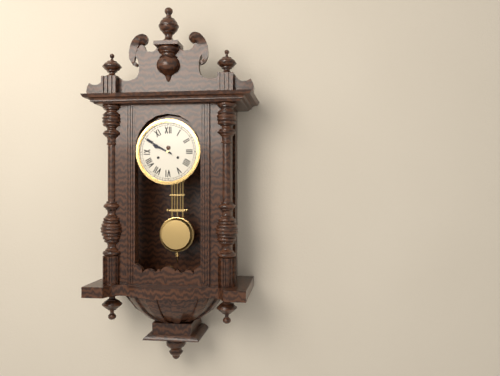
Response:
9h50
